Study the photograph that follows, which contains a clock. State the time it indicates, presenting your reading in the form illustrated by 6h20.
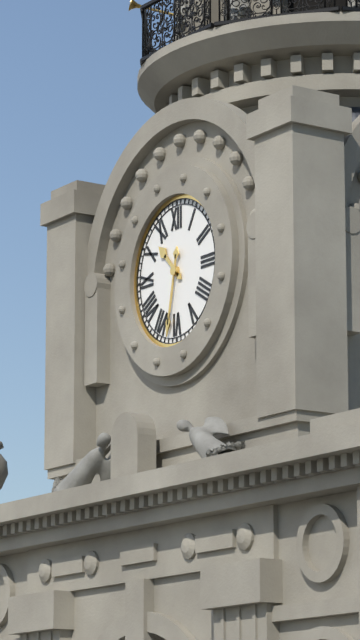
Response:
10h32
